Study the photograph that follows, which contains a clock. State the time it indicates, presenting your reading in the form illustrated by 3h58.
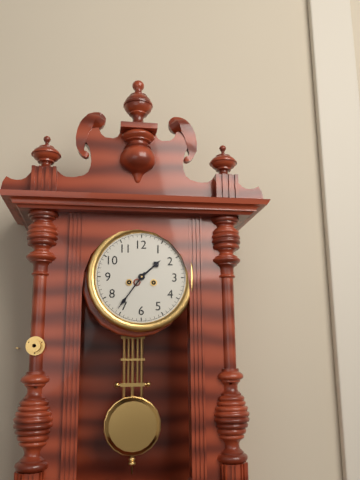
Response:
1h36
